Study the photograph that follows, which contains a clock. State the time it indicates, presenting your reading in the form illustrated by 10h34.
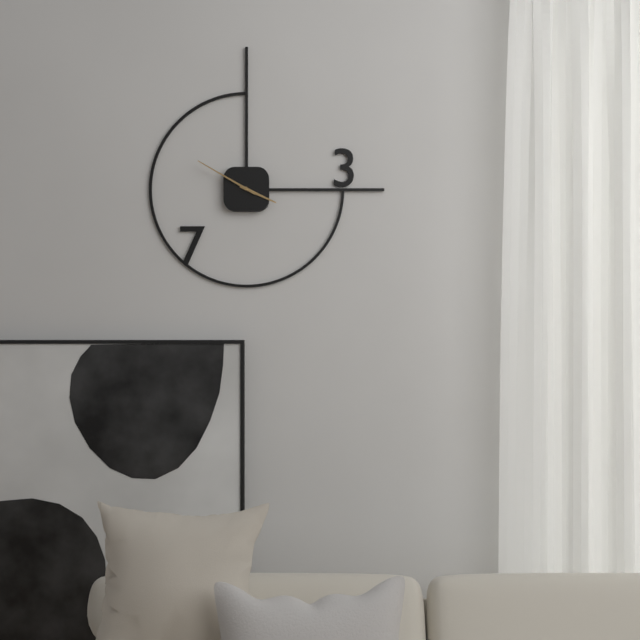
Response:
3h50
